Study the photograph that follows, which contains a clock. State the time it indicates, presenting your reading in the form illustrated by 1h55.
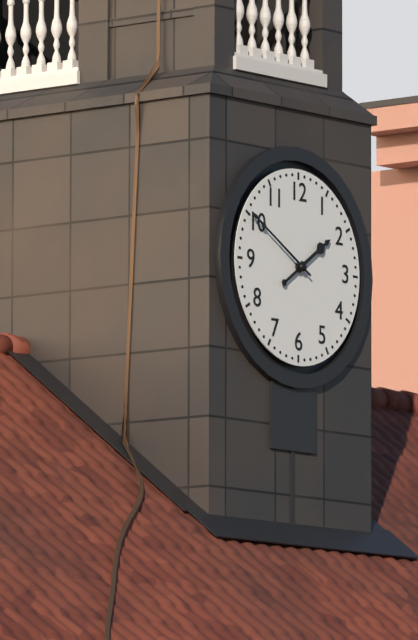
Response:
1h50
